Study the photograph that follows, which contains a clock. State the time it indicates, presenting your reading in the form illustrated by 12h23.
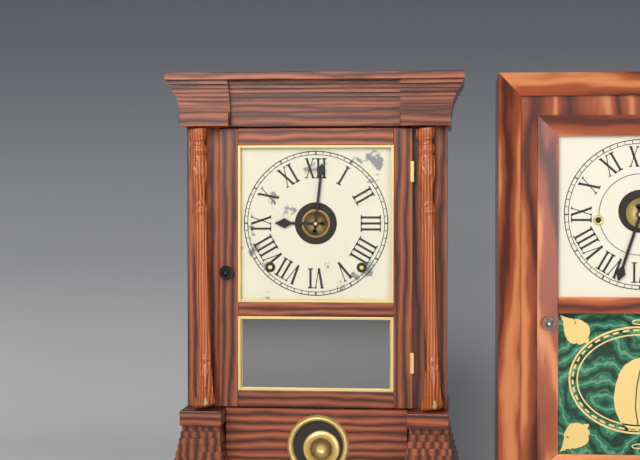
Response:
9h01
